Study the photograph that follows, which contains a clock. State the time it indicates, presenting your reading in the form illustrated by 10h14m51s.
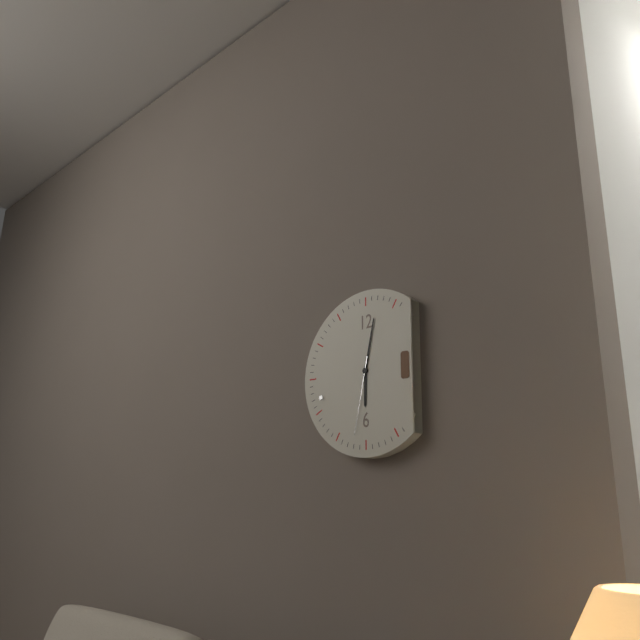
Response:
6h02m32s
